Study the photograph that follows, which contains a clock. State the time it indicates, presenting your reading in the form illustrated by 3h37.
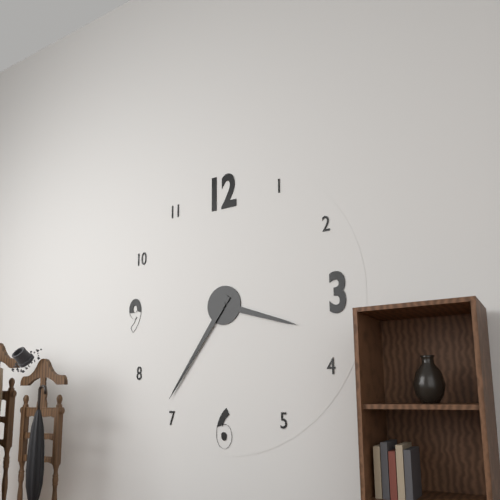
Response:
3h36
